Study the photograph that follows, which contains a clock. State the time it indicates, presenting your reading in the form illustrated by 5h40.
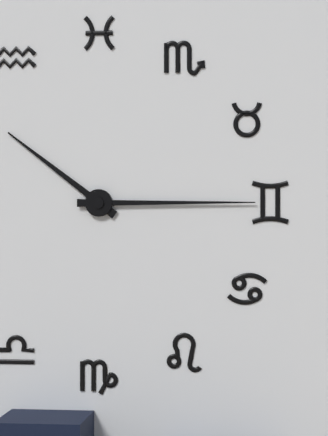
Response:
10h15
